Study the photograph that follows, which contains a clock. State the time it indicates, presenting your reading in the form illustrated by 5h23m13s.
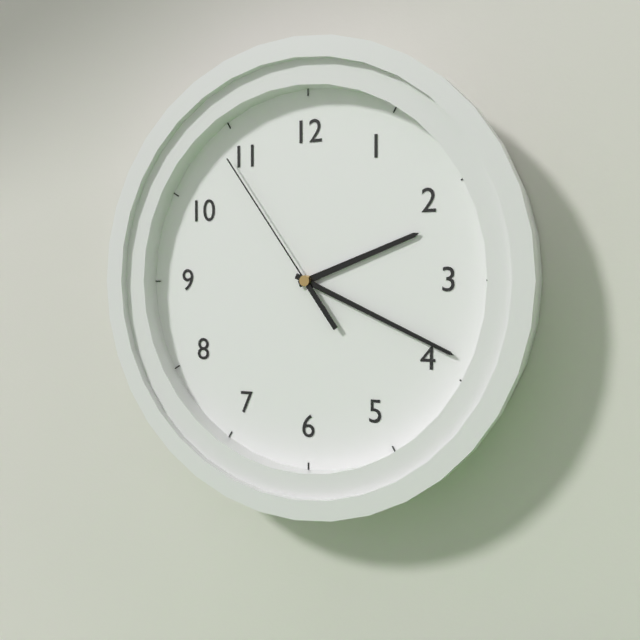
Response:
2h19m54s
